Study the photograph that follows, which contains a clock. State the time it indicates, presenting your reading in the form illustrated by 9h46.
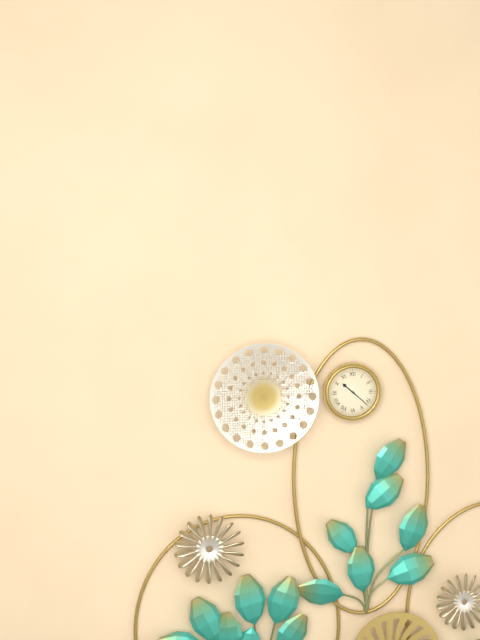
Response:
10h22
